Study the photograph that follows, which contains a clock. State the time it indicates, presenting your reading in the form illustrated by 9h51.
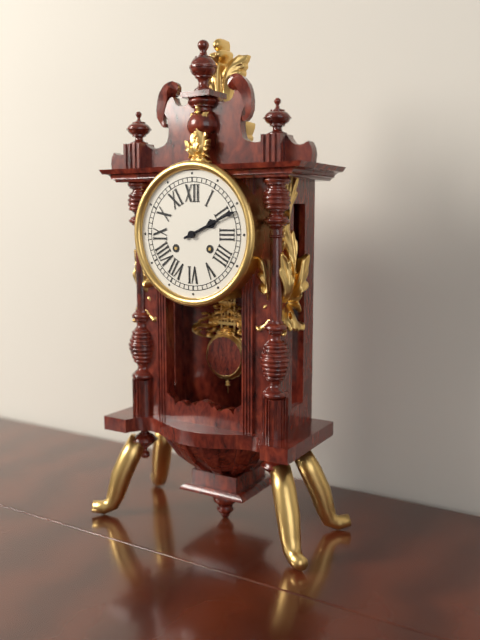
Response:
2h11
